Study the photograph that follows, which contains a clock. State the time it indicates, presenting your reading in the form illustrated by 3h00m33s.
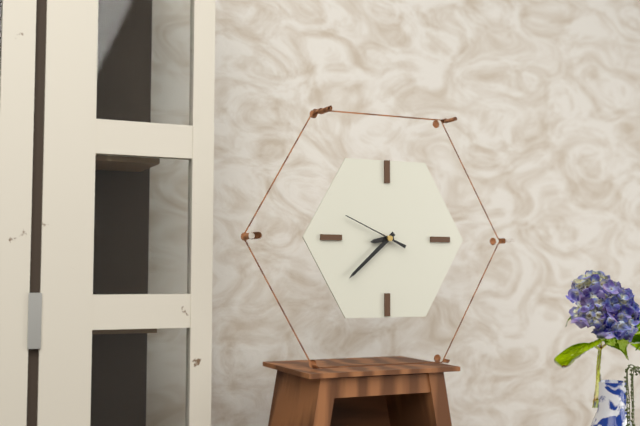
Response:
8h38m49s
